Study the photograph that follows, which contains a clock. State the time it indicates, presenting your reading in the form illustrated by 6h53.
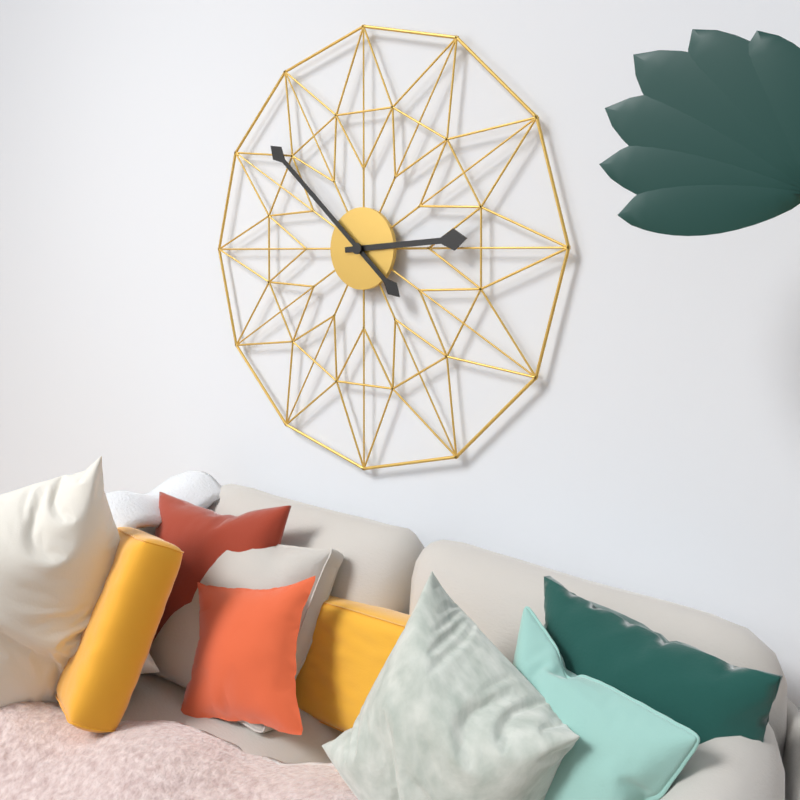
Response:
2h52
